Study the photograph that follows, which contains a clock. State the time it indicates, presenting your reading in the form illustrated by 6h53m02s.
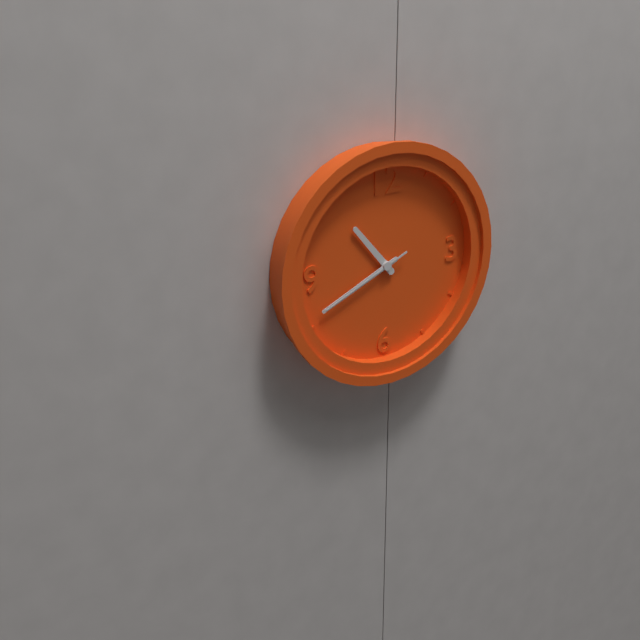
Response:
10h41m41s
